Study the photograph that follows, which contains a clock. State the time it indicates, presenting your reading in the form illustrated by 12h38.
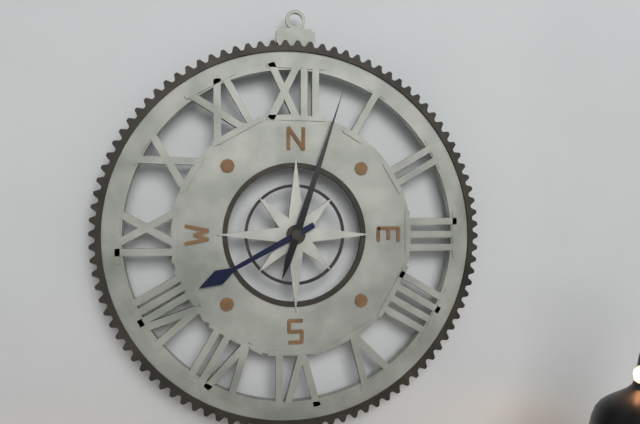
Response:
8h03
